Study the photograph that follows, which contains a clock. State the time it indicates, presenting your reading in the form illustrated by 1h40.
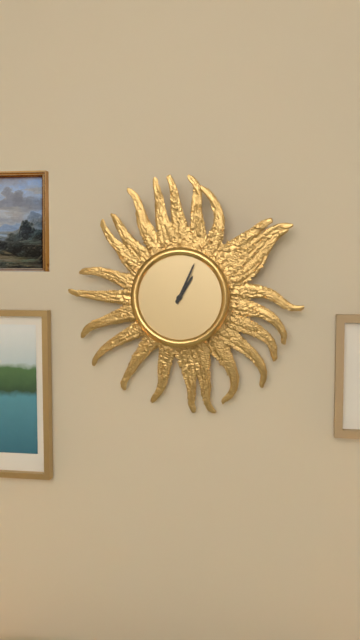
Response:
1h04
